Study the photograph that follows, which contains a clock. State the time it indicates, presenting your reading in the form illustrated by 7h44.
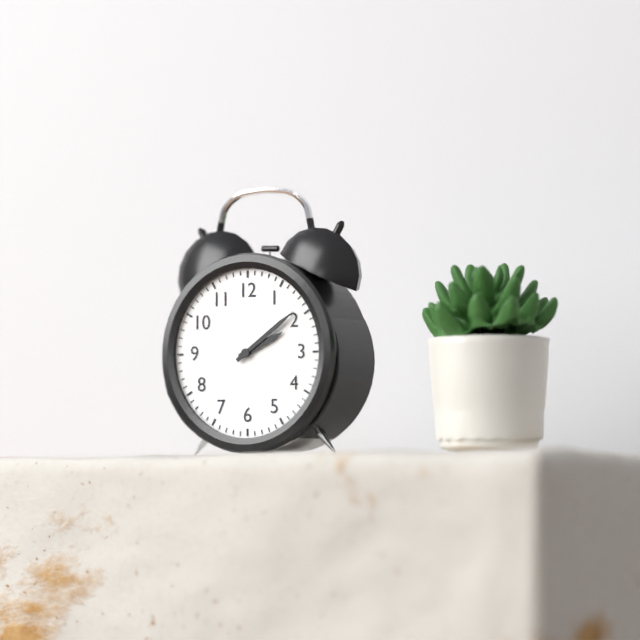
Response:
2h09
